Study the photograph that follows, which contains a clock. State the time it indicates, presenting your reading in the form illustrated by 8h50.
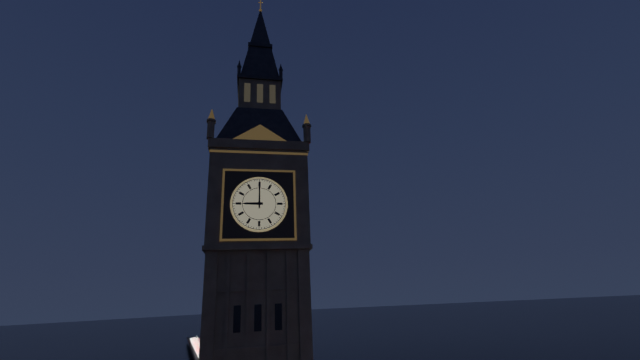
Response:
9h00
